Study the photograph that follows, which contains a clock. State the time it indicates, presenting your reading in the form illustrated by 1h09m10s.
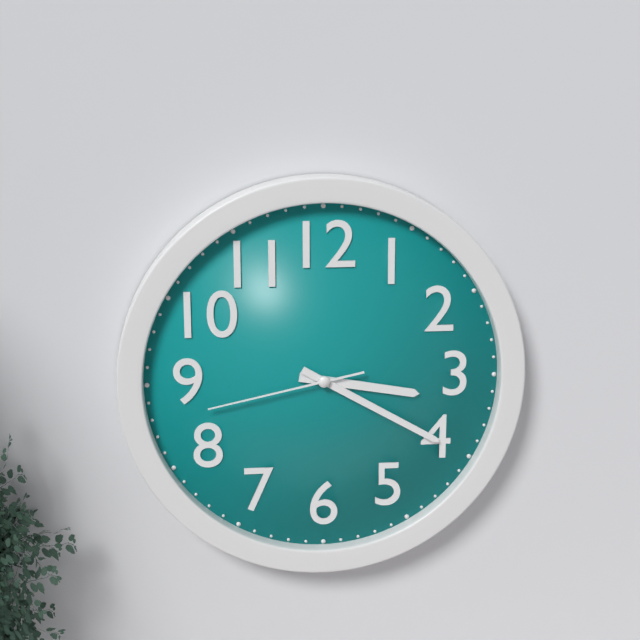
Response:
3h20m43s
